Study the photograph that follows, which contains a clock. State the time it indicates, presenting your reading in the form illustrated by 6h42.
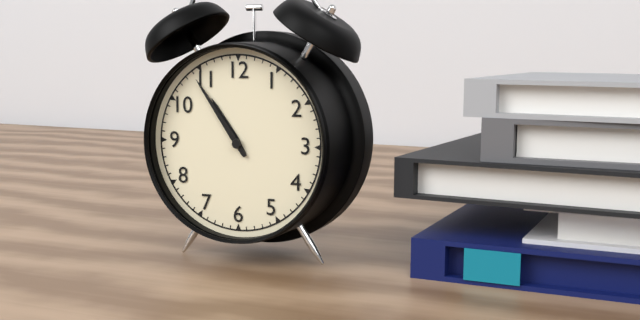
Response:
10h54
